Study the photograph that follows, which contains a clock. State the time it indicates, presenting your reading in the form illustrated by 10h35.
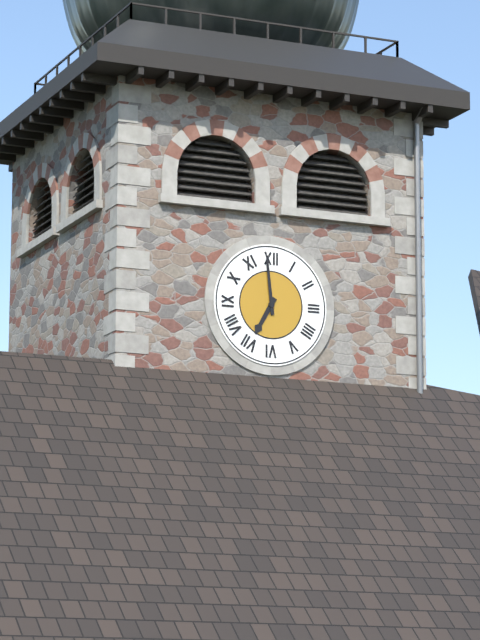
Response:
6h59
